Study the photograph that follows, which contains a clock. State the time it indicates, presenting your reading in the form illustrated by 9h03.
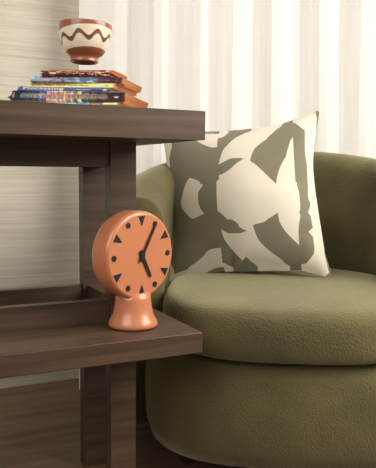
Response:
5h05
